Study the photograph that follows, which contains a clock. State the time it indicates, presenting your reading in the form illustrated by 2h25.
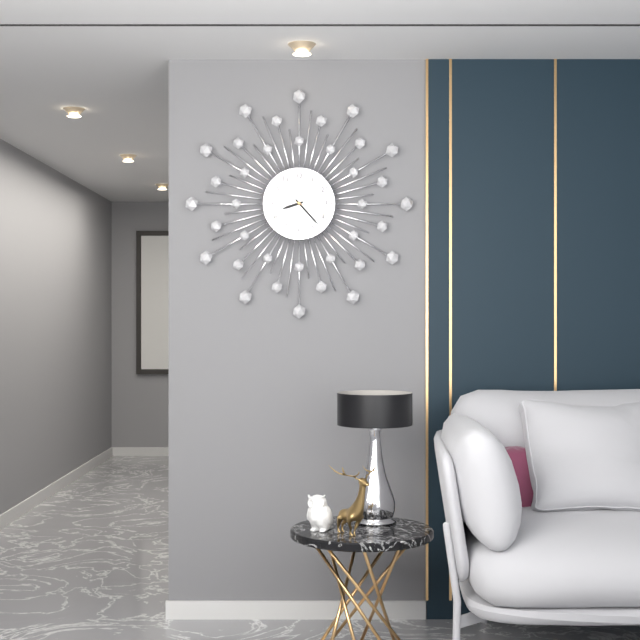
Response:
8h23
